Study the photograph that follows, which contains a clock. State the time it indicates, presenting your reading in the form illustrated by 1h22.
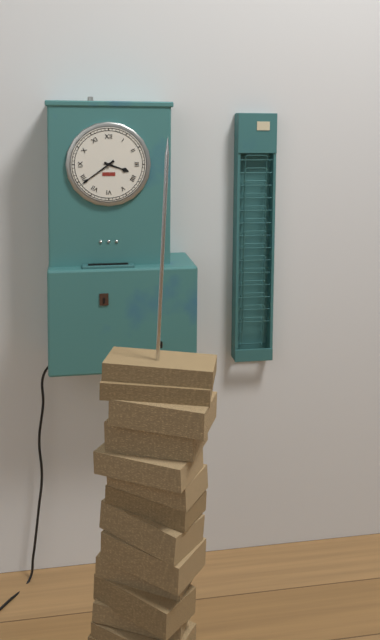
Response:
3h39
